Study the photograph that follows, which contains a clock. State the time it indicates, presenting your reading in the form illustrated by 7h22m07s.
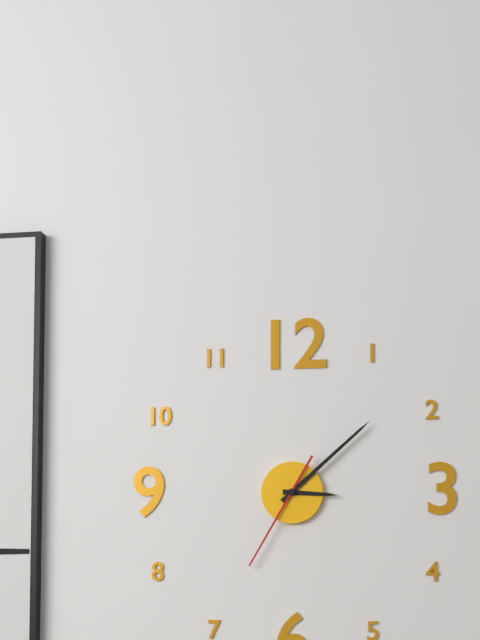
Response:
3h08m35s
